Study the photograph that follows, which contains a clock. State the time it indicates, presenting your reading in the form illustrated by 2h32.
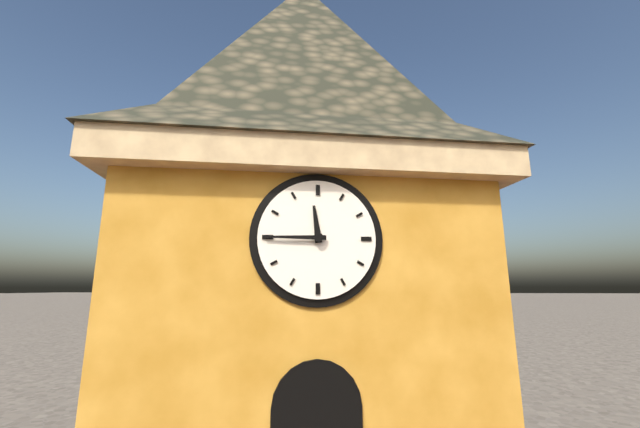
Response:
11h45
